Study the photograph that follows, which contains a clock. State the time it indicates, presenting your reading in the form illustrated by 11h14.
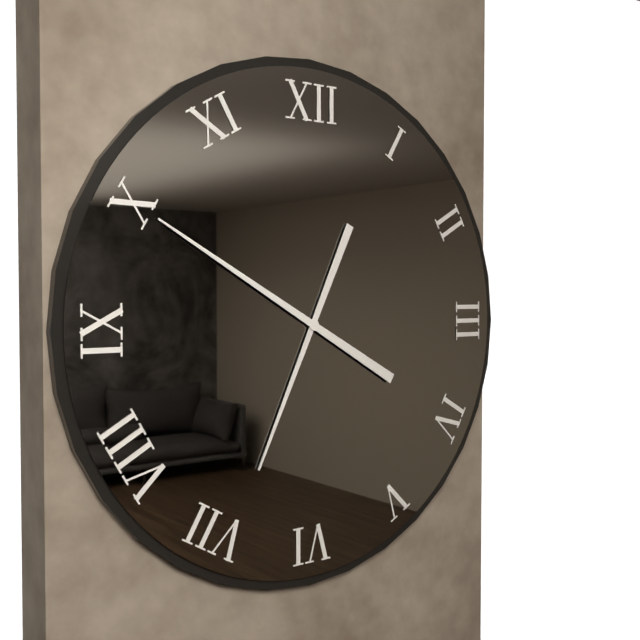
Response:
6h50
